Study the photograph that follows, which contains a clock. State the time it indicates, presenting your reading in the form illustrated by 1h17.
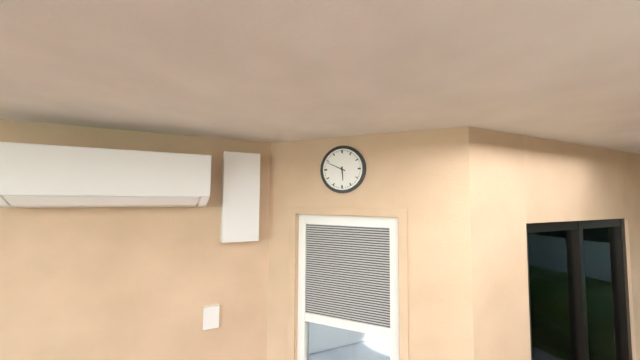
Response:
5h49
